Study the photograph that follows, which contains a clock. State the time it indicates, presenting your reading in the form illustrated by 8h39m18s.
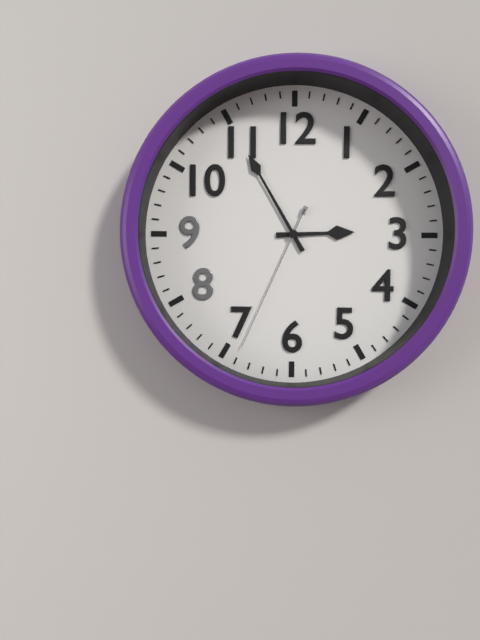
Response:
2h55m34s
